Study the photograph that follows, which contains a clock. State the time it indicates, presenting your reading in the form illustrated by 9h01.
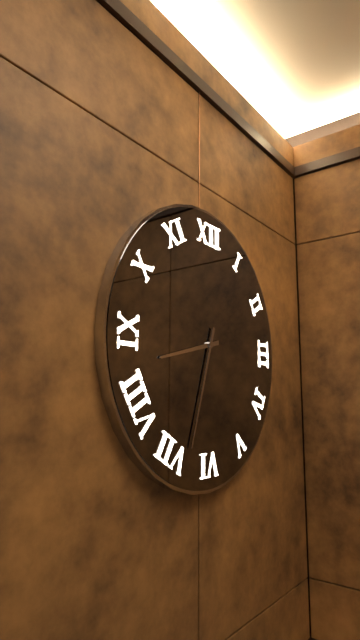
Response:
8h33
